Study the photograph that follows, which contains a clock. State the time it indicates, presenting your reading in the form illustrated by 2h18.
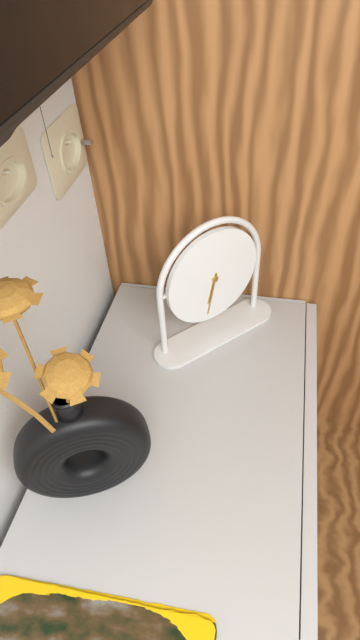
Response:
6h32
